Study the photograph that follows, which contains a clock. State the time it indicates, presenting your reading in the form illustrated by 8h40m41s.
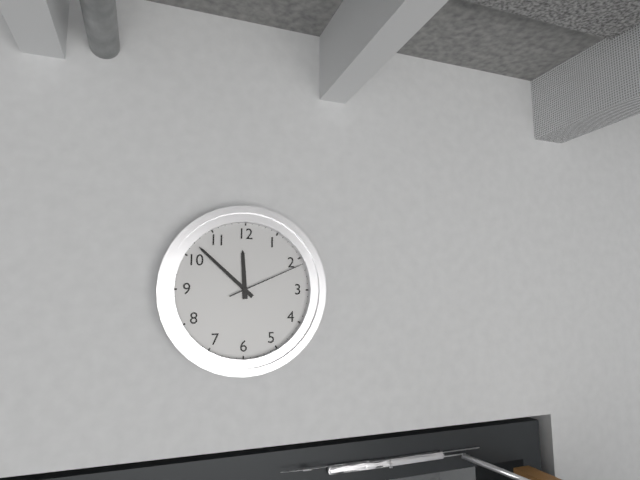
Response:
11h52m11s
